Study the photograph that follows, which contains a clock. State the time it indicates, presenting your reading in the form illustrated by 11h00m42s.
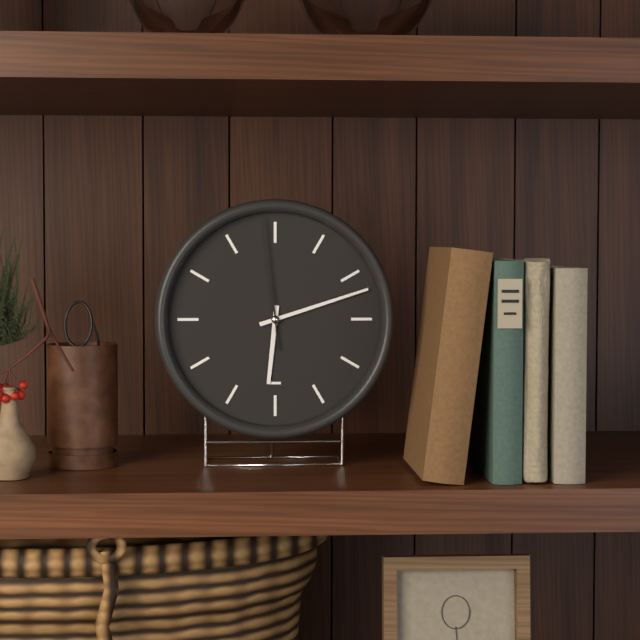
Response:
6h12m59s
